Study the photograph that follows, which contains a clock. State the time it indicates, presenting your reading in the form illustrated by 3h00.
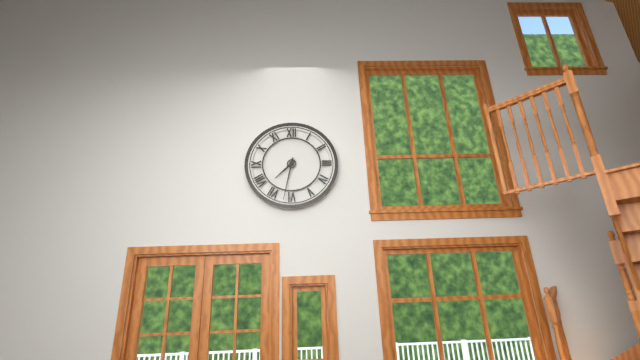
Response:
7h32
